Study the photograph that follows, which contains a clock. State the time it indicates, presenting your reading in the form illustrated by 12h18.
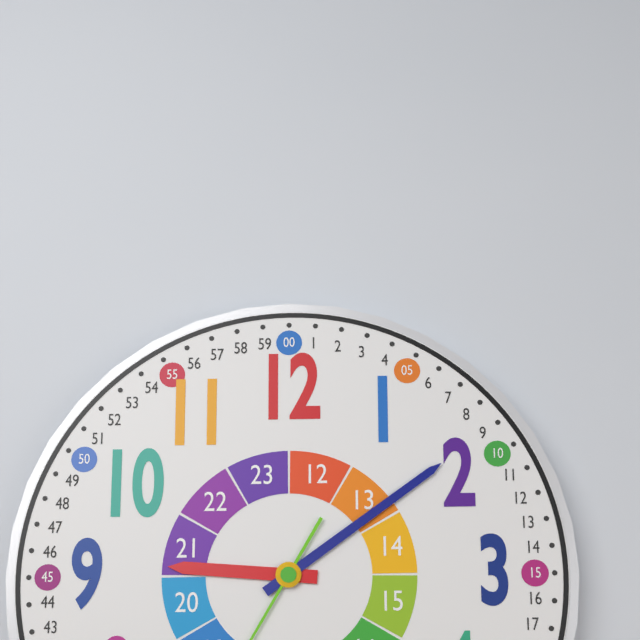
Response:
9h09
